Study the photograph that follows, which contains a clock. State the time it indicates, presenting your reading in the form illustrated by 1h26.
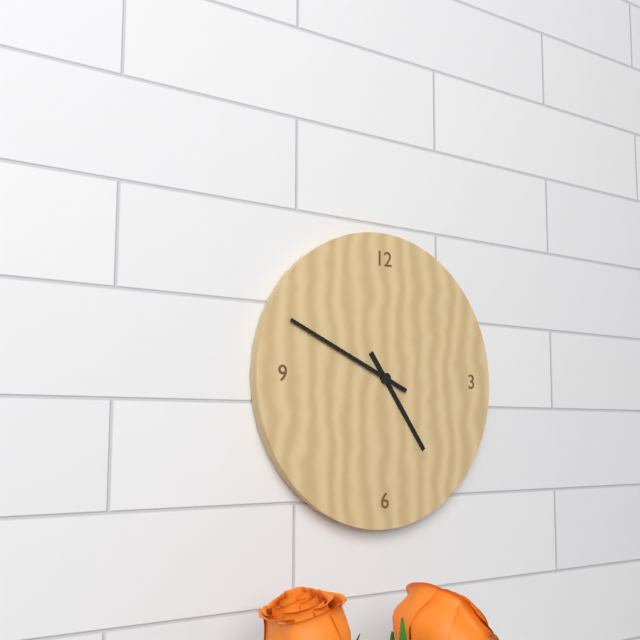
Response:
4h49
